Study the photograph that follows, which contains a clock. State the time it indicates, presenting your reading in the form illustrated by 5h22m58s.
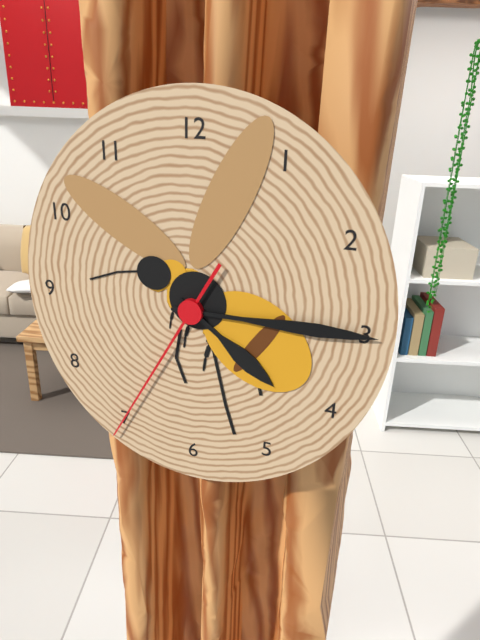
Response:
4h15m35s
